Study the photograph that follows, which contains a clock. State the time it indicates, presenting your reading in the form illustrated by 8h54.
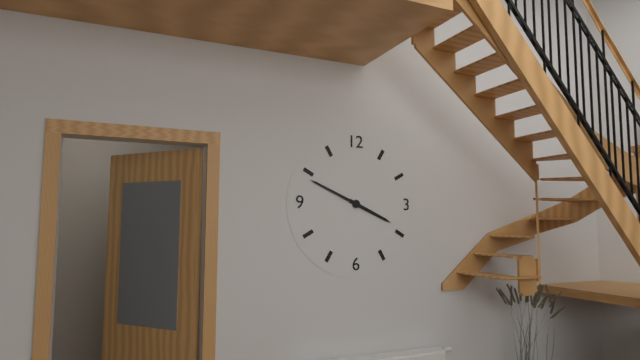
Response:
3h49
